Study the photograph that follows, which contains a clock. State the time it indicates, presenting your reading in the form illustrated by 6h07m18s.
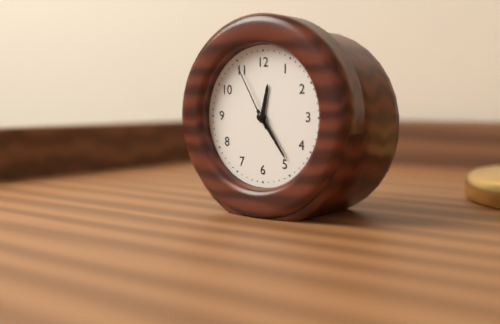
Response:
12h24m55s
